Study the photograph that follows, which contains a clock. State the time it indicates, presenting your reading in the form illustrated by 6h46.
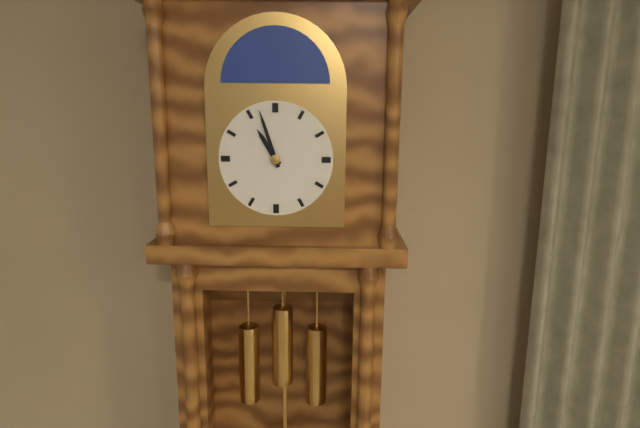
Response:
10h57
